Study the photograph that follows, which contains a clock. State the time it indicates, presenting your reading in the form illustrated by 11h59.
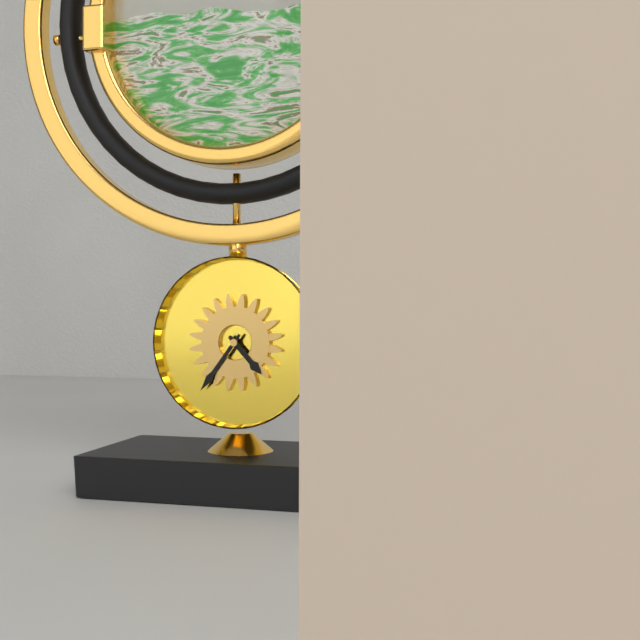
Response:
4h36
